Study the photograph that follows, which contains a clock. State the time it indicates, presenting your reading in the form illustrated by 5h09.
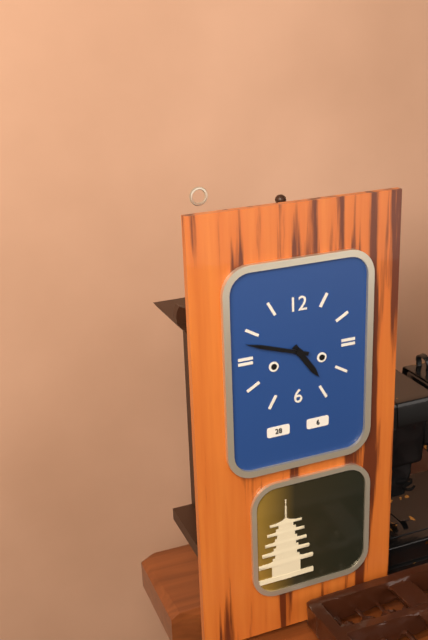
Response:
4h48
